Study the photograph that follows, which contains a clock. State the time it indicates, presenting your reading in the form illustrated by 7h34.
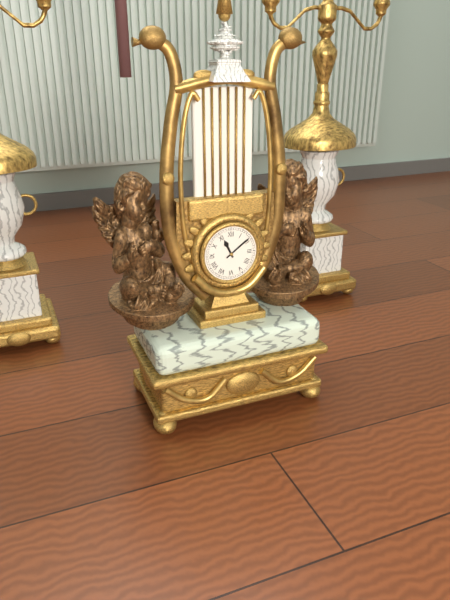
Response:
11h09
